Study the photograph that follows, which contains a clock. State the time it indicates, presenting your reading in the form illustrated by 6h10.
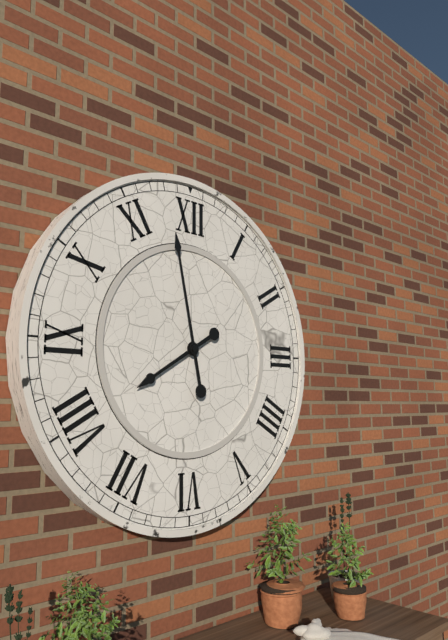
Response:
7h58
